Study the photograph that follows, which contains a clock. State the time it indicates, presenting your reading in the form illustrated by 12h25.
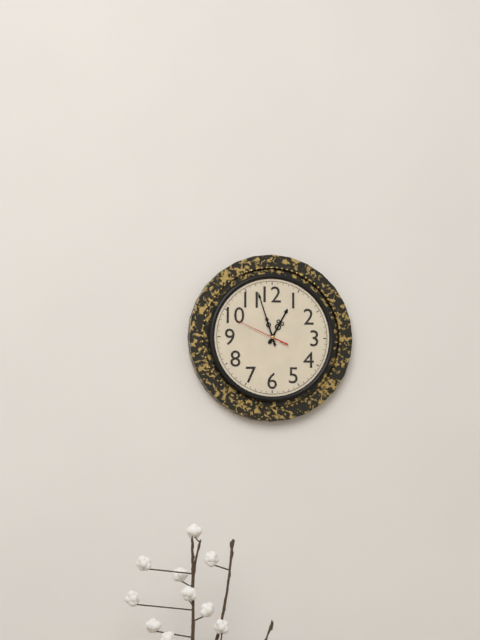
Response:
12h57
